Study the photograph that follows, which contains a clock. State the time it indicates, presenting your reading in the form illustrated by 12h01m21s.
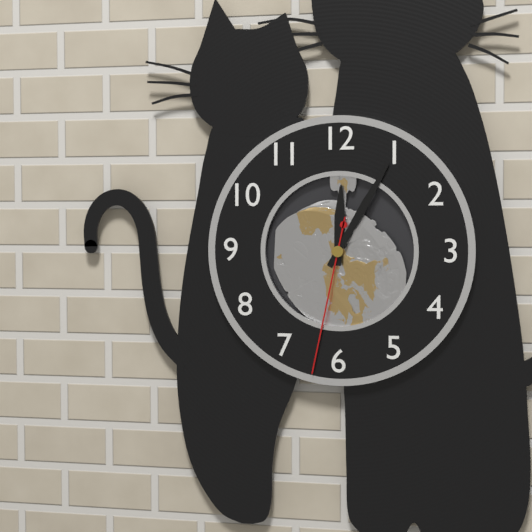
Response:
12h05m32s
